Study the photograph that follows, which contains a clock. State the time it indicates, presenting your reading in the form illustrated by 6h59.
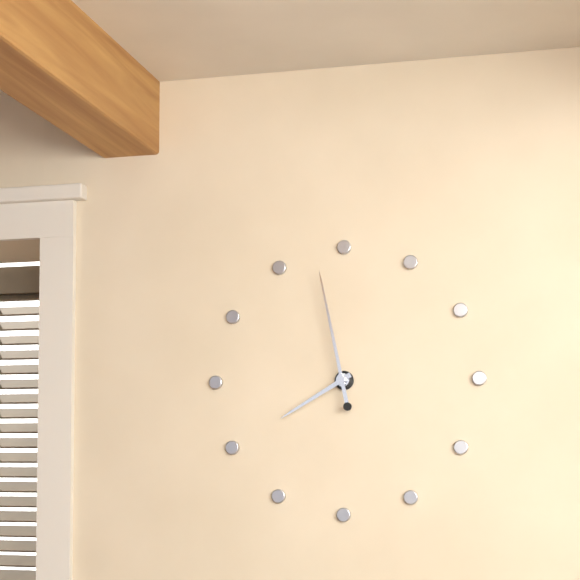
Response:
7h58
